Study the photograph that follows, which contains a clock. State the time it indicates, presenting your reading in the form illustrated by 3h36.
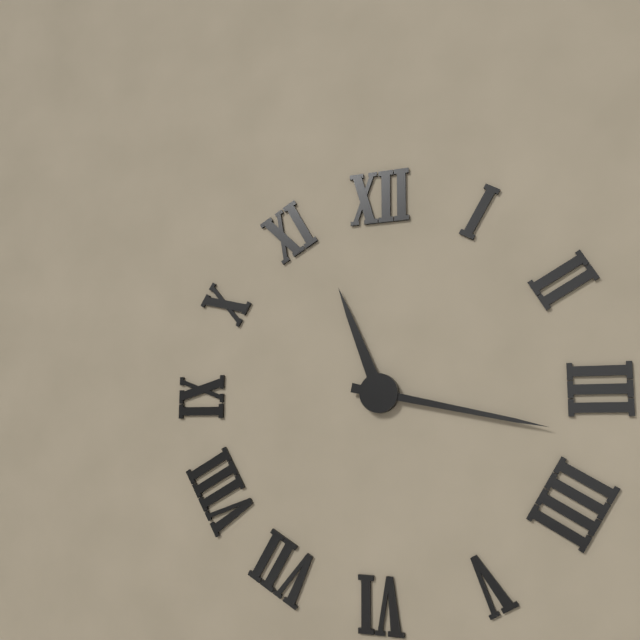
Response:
11h17
